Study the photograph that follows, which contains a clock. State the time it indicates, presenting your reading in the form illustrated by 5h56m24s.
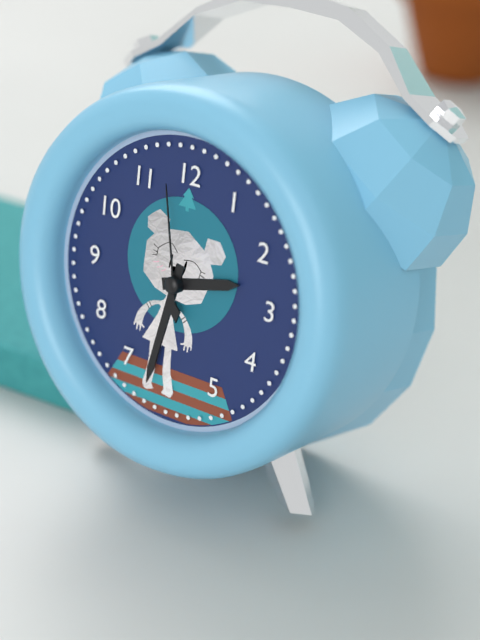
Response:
2h32m58s
